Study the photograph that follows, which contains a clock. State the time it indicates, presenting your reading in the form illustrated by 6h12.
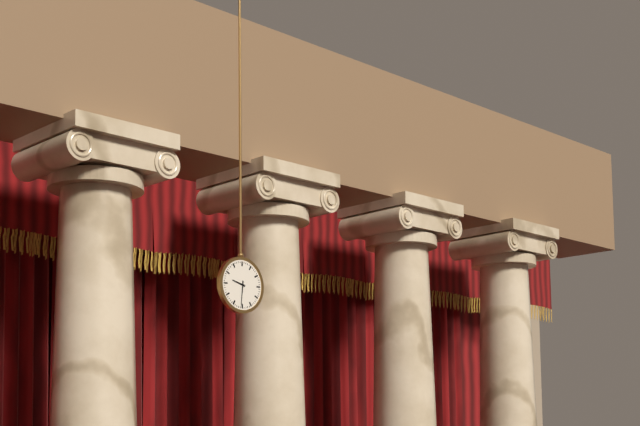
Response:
9h31
